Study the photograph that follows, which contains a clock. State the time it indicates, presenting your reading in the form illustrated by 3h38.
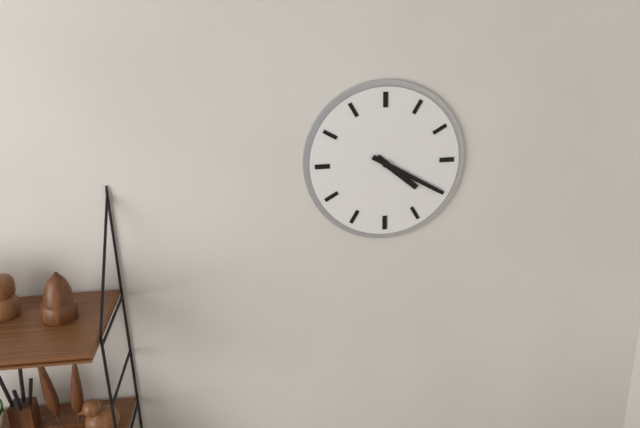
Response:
4h20
